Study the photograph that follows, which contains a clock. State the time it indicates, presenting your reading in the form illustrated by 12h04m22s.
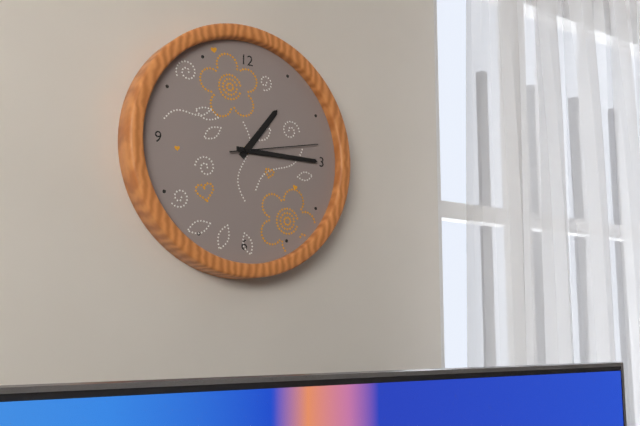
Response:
1h15m13s
